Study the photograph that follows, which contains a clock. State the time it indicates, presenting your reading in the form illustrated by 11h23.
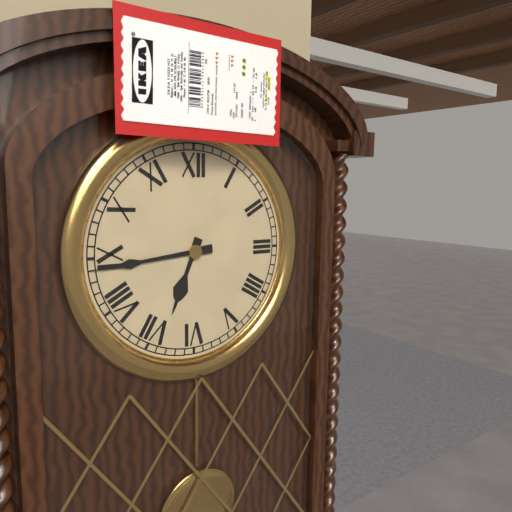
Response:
6h44
